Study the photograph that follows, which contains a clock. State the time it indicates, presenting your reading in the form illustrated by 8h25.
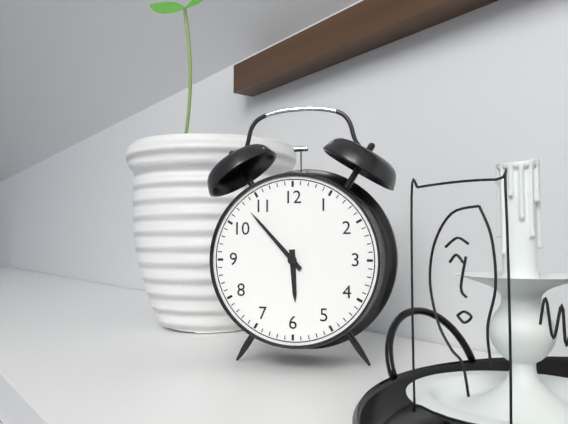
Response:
5h53
